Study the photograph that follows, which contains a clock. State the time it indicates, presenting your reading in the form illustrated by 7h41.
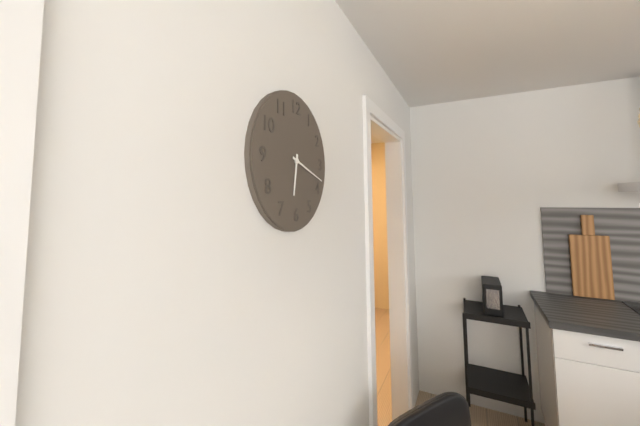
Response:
6h18
